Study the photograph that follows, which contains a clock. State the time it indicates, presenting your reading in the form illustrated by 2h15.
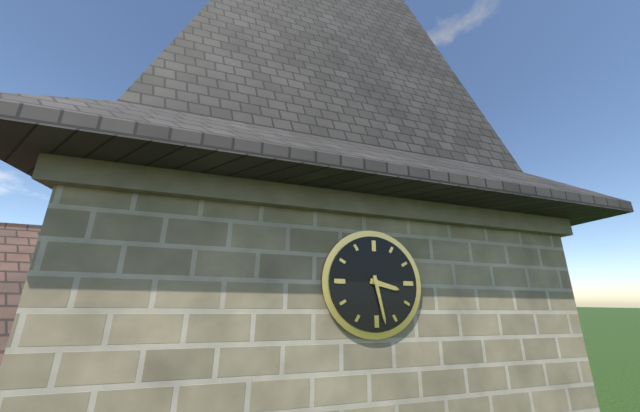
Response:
3h28
